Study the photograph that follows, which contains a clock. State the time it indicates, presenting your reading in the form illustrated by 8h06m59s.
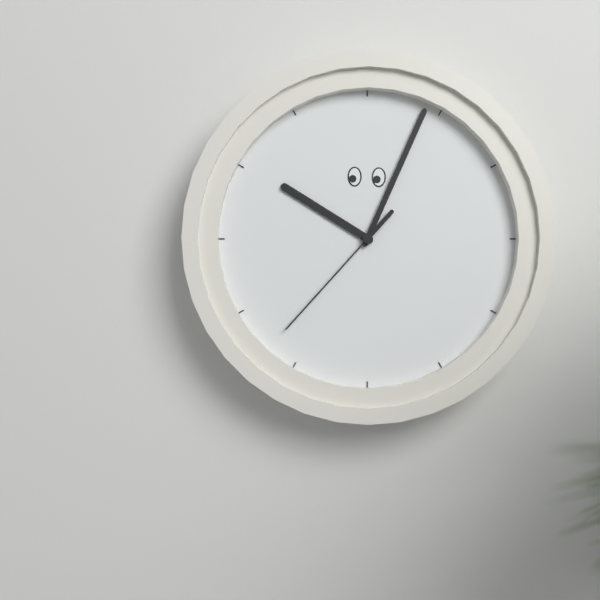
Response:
10h04m37s
